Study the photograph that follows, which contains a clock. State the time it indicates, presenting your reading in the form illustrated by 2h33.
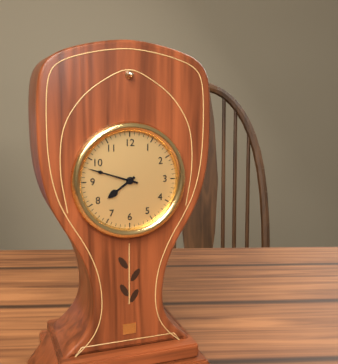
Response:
7h48
